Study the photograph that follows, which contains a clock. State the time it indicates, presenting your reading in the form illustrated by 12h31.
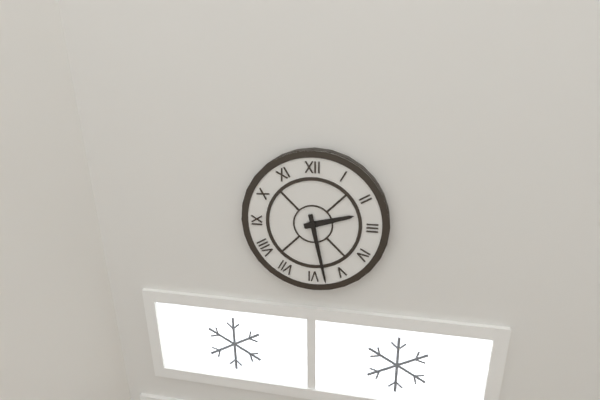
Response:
2h28
